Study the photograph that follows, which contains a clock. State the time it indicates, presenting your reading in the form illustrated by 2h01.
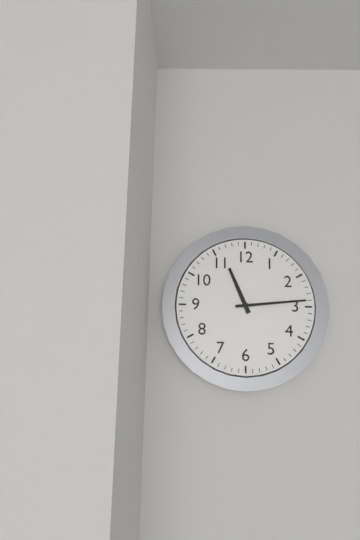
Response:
11h14
